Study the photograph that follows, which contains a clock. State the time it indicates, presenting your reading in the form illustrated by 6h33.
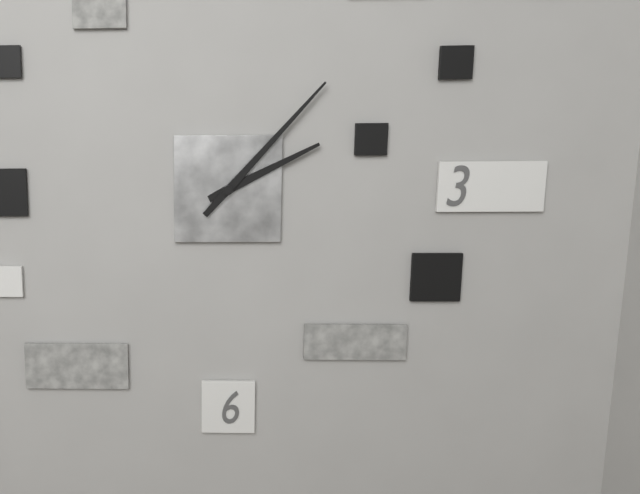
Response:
2h07
